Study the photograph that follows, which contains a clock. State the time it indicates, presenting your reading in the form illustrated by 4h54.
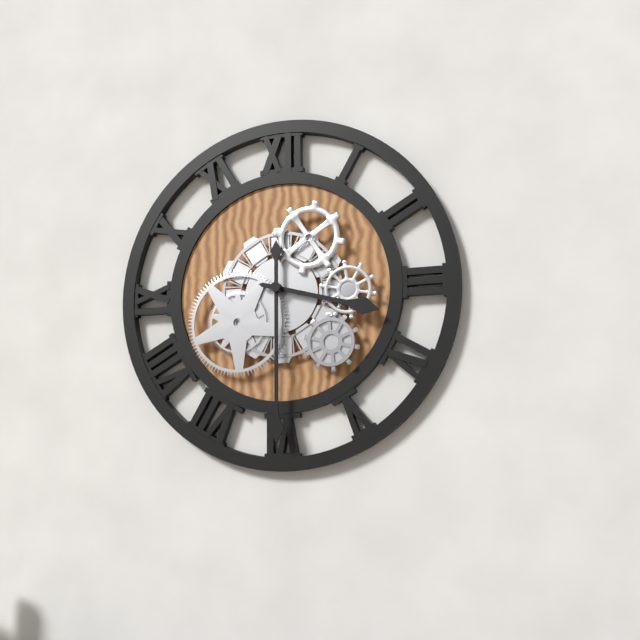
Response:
3h30
